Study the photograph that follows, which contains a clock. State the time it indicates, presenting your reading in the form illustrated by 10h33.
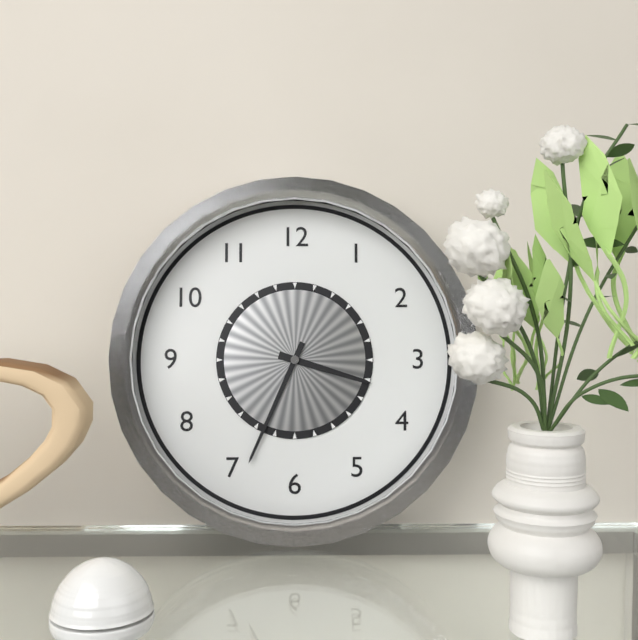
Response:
3h34
